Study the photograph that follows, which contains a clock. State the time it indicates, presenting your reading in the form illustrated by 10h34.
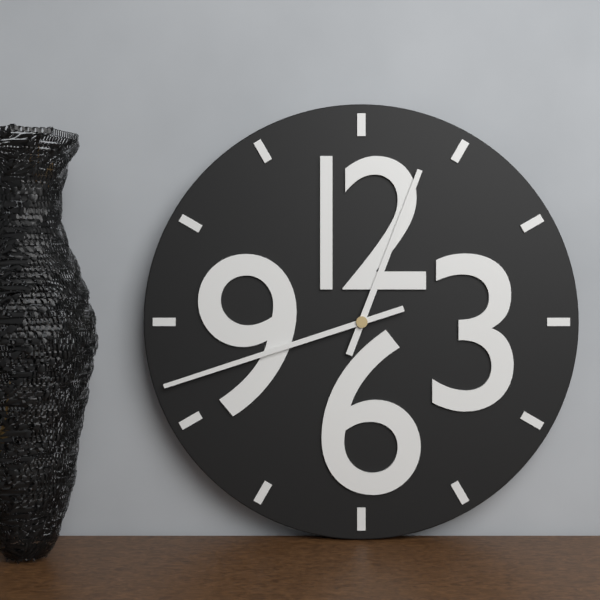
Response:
12h42
